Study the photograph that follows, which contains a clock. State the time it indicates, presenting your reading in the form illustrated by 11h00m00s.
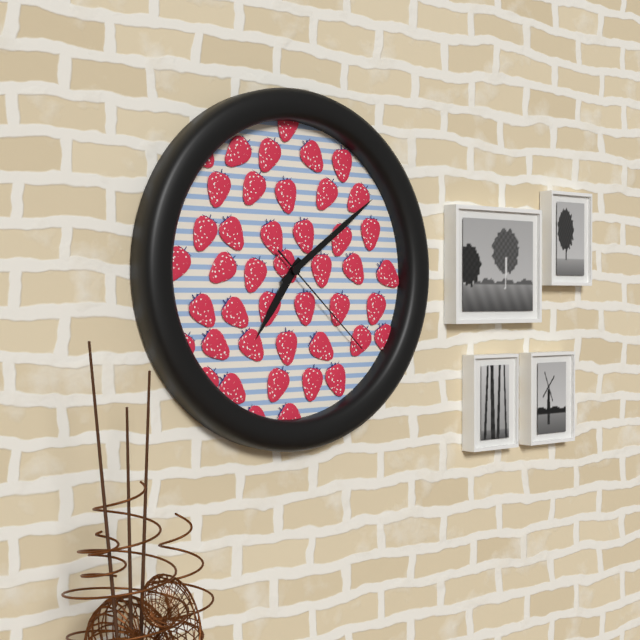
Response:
7h09m22s
